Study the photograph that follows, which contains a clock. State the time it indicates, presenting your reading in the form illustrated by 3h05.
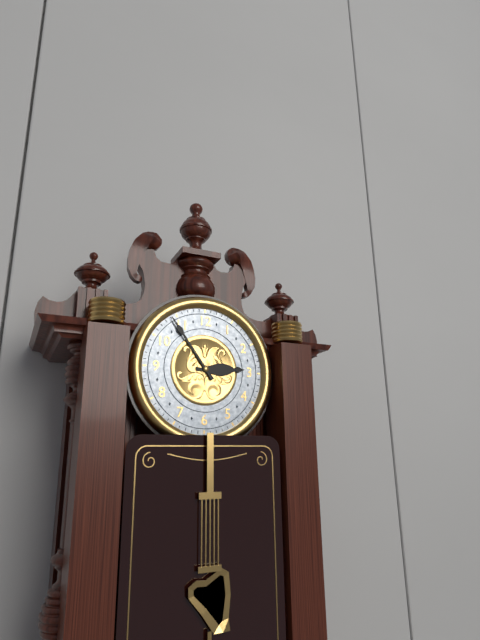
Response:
2h54
